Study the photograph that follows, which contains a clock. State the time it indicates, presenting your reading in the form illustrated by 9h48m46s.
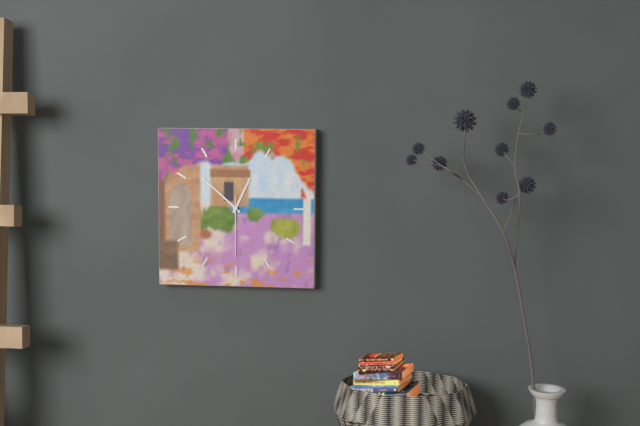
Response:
12h52m30s
